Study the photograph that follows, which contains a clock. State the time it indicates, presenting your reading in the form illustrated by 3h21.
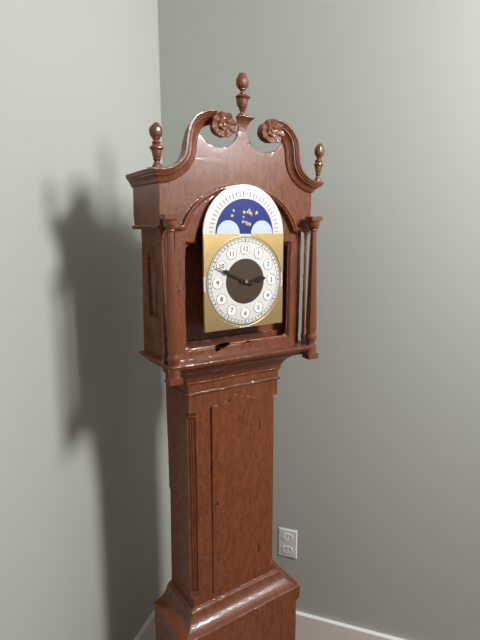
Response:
2h49
